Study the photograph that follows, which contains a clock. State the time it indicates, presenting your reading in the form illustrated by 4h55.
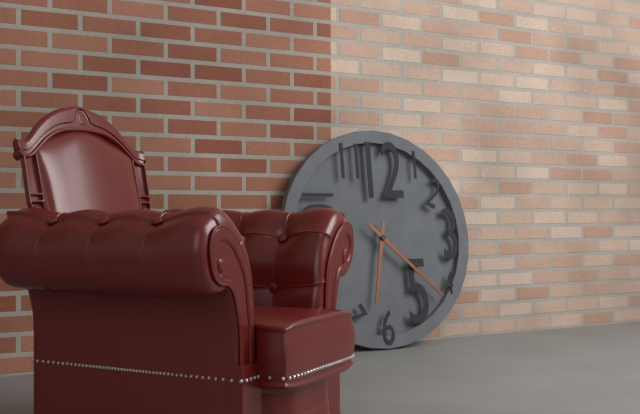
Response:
6h22
